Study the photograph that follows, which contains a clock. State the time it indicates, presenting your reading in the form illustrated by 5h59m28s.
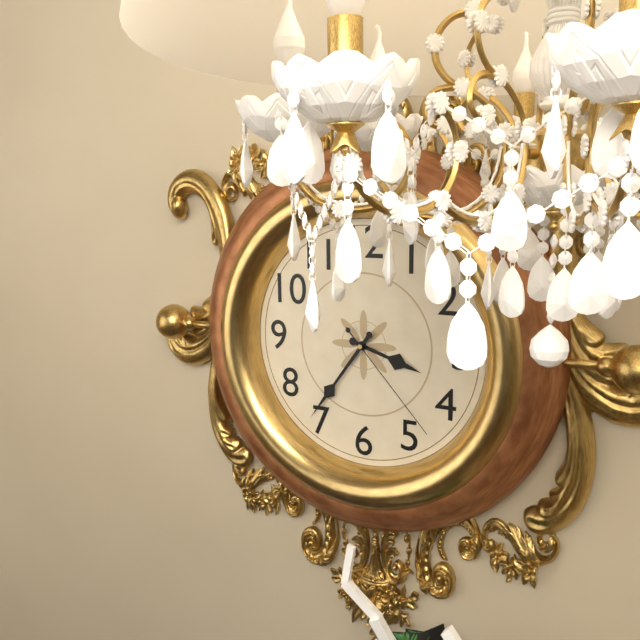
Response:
3h36m23s
